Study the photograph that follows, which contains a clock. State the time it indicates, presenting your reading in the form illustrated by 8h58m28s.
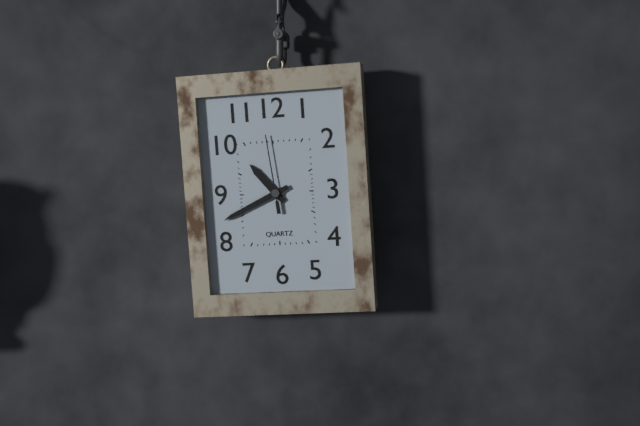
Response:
10h41m59s
